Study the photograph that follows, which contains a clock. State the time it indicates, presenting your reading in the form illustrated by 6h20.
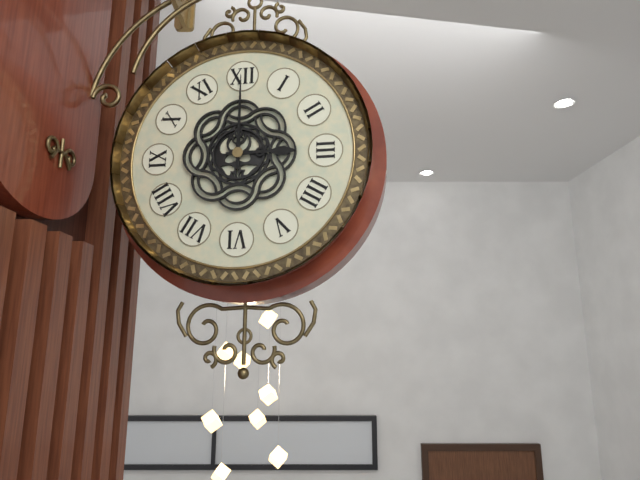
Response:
3h00
